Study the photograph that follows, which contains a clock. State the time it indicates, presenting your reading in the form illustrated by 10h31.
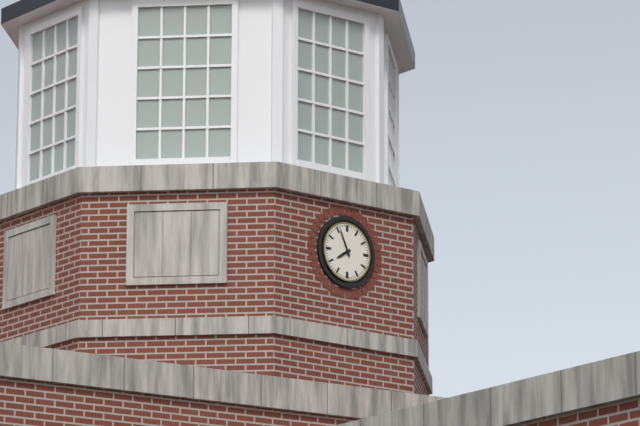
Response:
7h56
